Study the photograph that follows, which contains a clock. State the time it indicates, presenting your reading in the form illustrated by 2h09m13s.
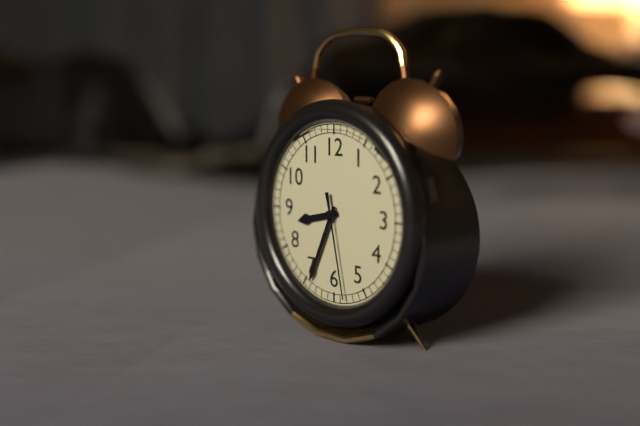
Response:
8h34m28s
